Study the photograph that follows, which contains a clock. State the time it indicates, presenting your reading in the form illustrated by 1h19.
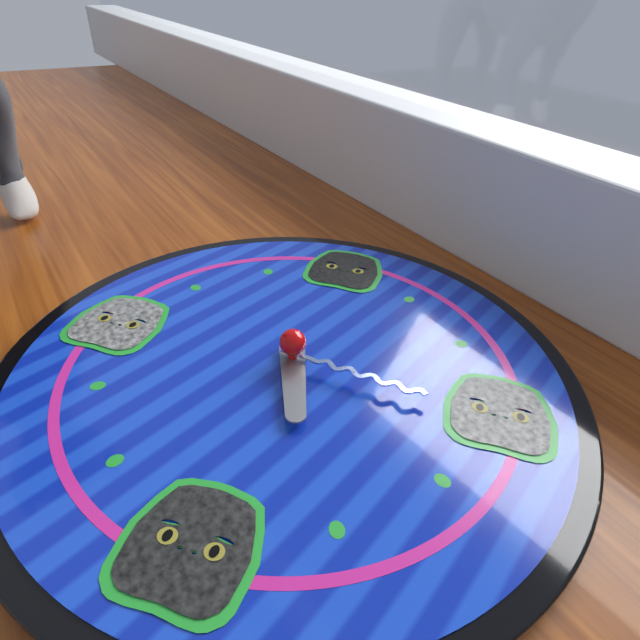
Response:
5h16
